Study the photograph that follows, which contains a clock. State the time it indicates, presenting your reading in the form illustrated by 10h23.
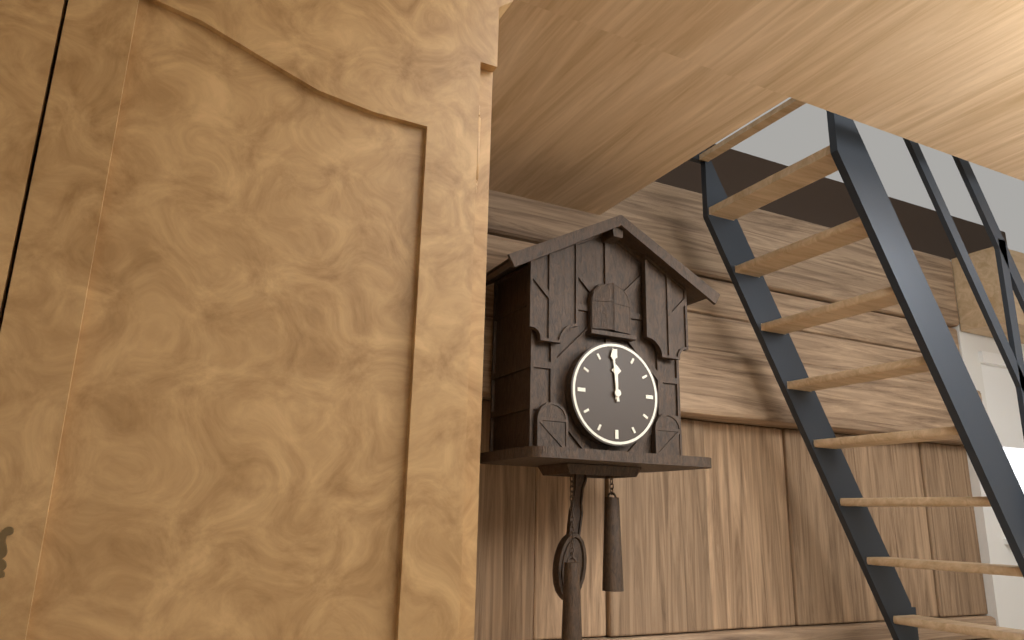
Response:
11h59
